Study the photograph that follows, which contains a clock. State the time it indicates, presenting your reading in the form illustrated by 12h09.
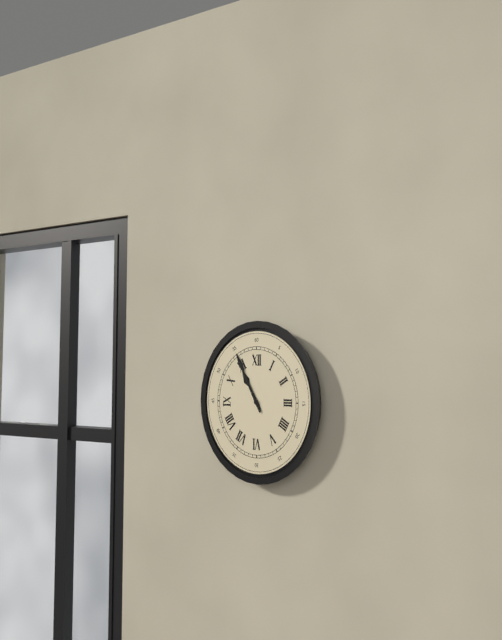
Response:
10h55
